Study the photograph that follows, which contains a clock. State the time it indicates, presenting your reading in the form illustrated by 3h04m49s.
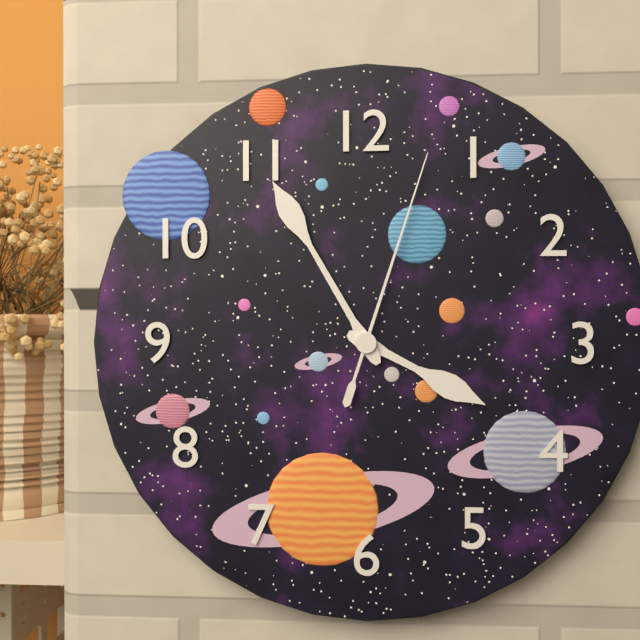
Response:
3h55m03s
